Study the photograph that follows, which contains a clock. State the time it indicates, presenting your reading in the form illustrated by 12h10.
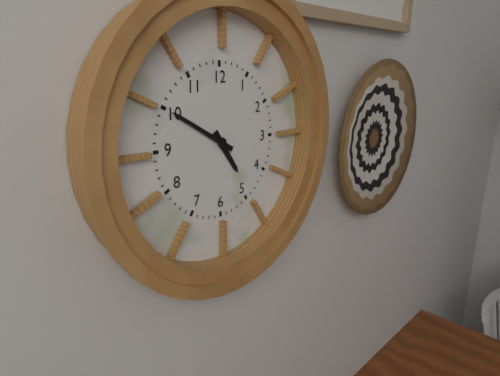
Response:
4h50
